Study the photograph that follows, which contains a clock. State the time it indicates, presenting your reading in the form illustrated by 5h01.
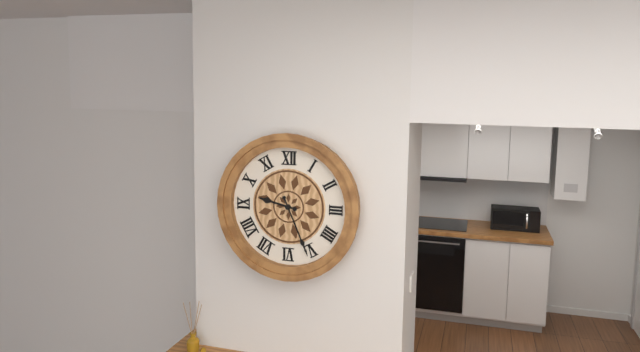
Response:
9h26
